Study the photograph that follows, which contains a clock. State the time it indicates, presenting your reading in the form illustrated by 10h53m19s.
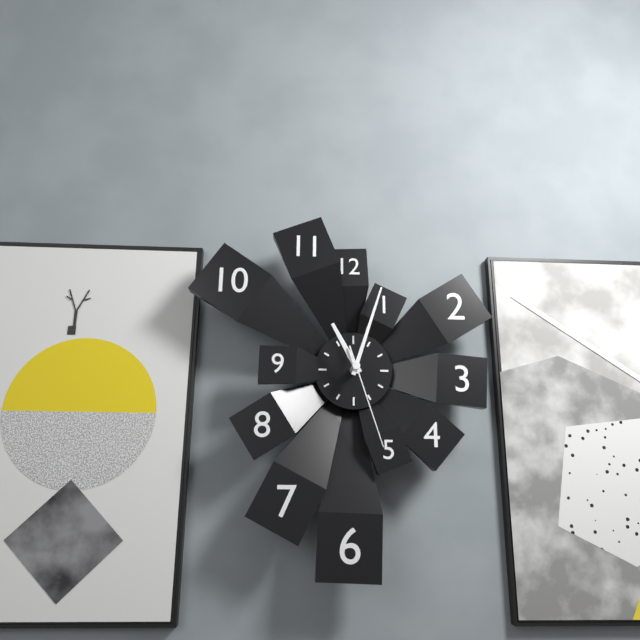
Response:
11h03m27s
